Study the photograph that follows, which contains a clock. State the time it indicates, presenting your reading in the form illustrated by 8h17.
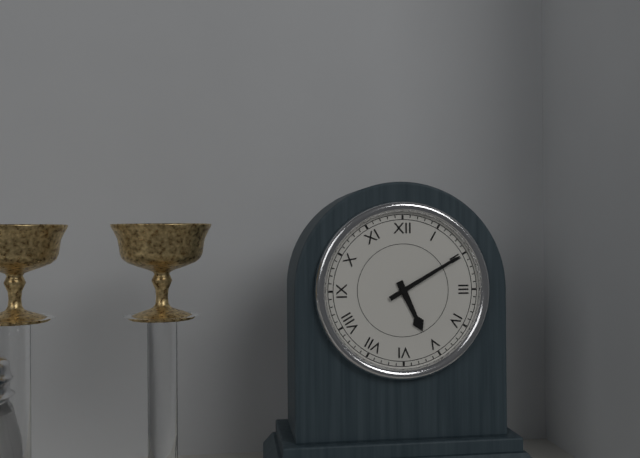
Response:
5h10
